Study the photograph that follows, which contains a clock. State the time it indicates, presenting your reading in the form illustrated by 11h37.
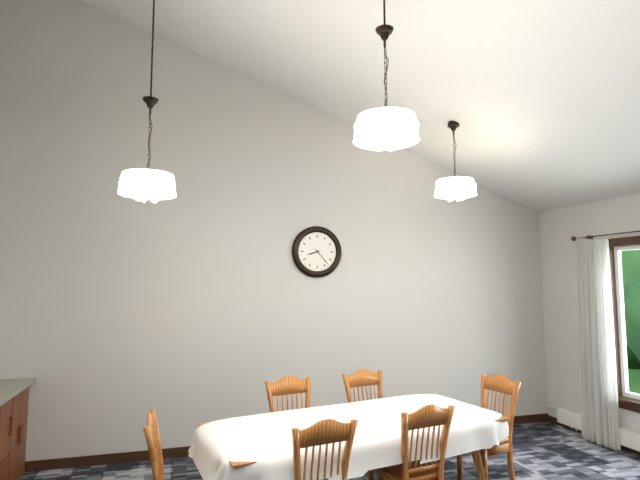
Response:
8h23
